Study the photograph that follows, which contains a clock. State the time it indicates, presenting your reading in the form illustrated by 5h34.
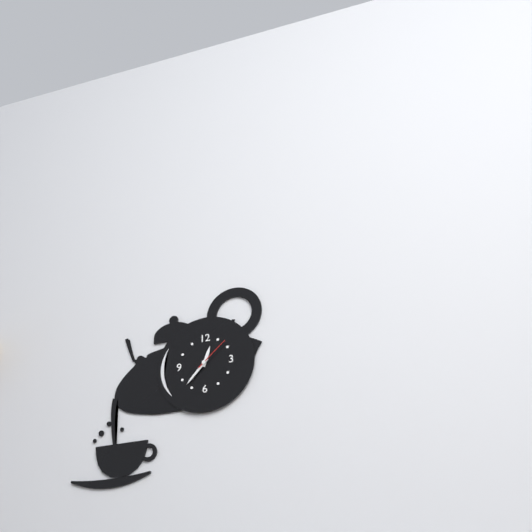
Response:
12h37
